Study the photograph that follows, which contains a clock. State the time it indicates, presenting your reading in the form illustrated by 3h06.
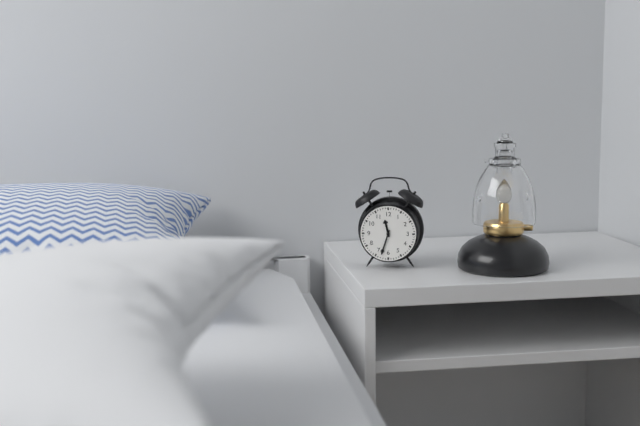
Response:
11h33
